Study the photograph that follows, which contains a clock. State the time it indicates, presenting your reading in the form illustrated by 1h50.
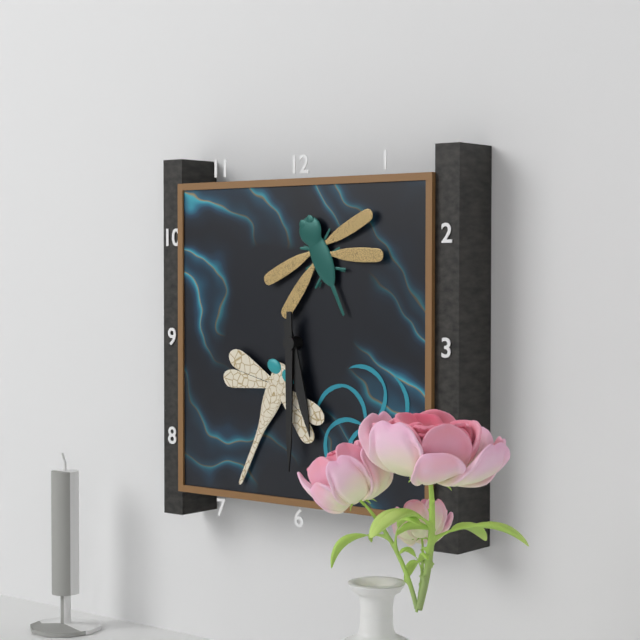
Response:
5h30
